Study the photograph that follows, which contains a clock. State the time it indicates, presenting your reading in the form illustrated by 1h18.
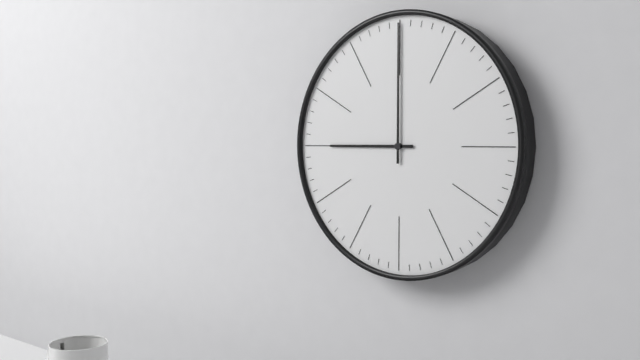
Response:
9h00
